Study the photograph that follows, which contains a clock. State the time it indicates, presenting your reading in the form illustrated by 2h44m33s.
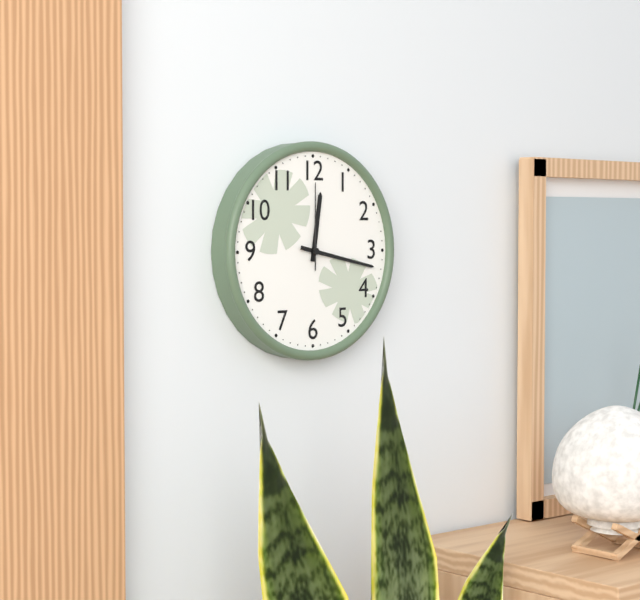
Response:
12h17m00s
